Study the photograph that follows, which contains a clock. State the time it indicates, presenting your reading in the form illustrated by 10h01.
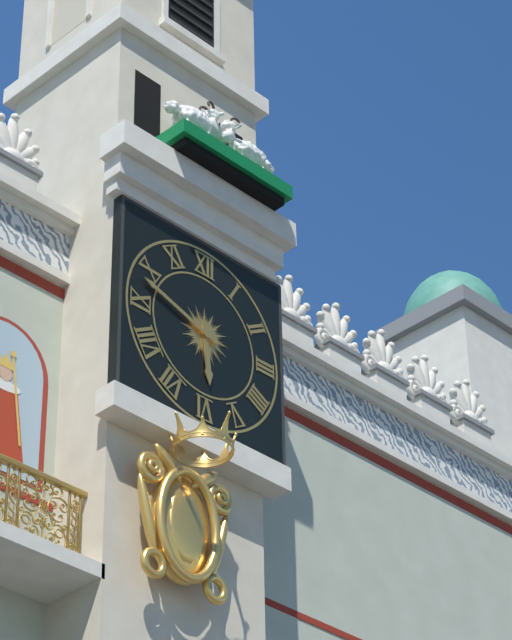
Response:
5h48
